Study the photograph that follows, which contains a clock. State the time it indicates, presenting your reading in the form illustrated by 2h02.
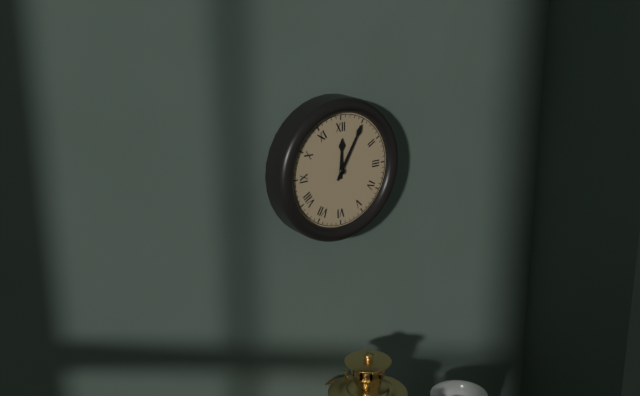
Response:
12h05
